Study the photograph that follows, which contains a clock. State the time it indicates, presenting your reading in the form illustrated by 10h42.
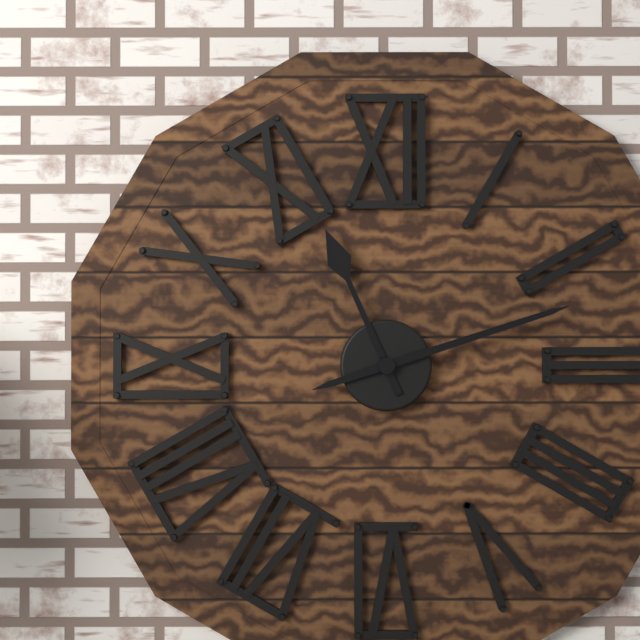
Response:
11h12
